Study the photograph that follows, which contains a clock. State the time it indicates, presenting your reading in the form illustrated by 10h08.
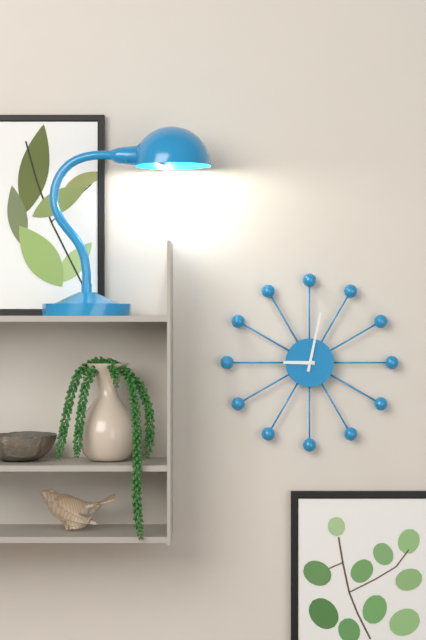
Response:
9h02
